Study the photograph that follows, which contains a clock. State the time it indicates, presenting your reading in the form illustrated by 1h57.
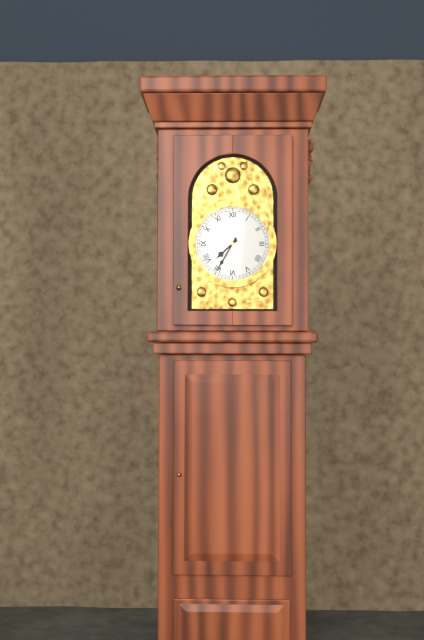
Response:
7h35
